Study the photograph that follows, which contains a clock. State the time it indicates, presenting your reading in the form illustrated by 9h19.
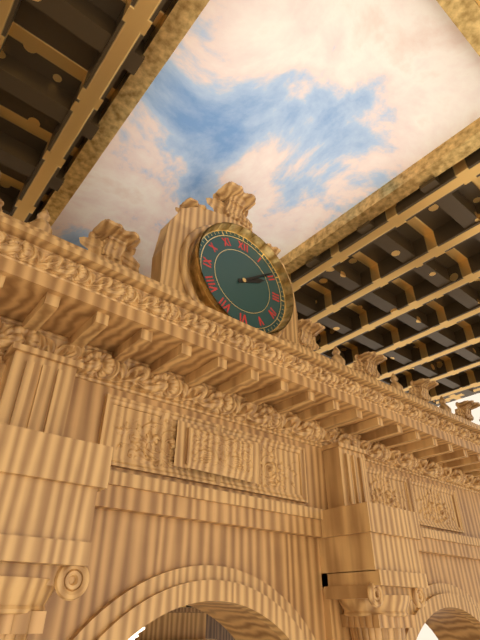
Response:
2h09
